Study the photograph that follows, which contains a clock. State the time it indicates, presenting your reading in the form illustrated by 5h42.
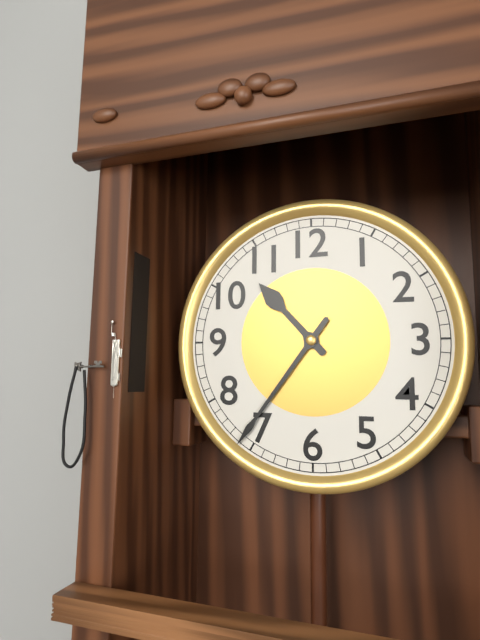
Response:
10h36
